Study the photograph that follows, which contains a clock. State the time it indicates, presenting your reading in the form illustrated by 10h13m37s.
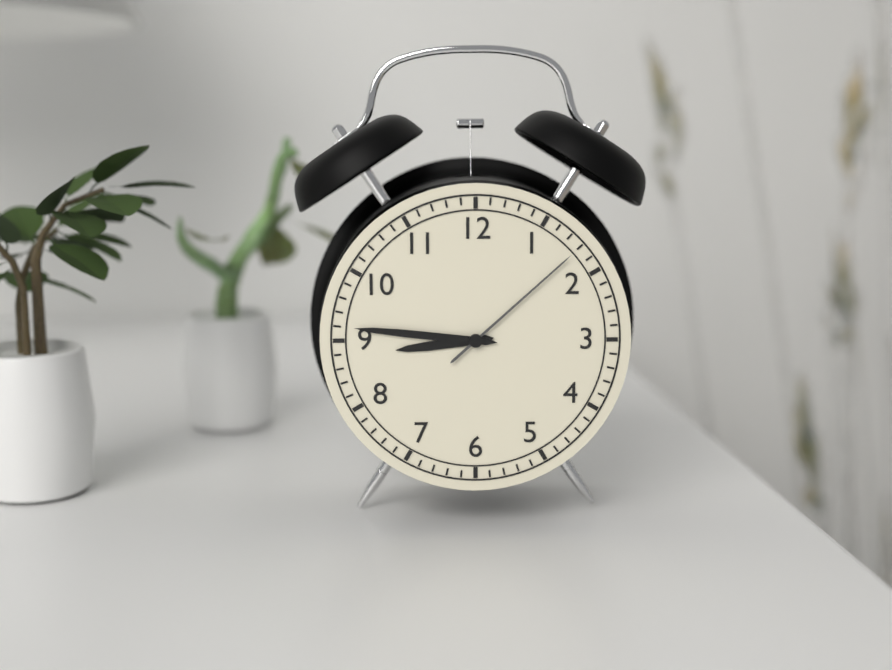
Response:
8h46m08s
